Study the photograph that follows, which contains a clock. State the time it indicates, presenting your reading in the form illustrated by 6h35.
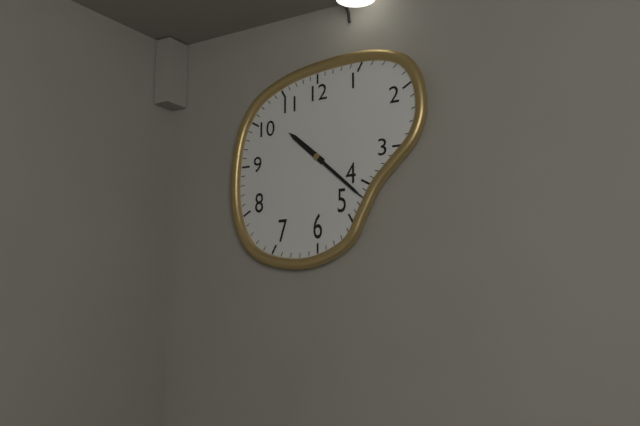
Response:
10h22
